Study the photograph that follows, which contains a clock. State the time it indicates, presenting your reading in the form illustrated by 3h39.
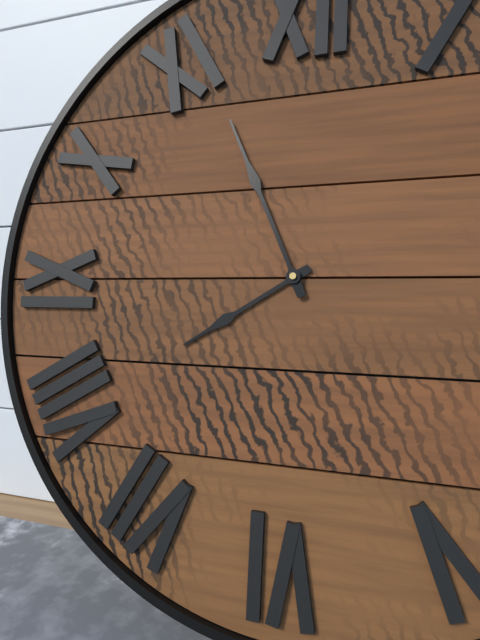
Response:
7h56
